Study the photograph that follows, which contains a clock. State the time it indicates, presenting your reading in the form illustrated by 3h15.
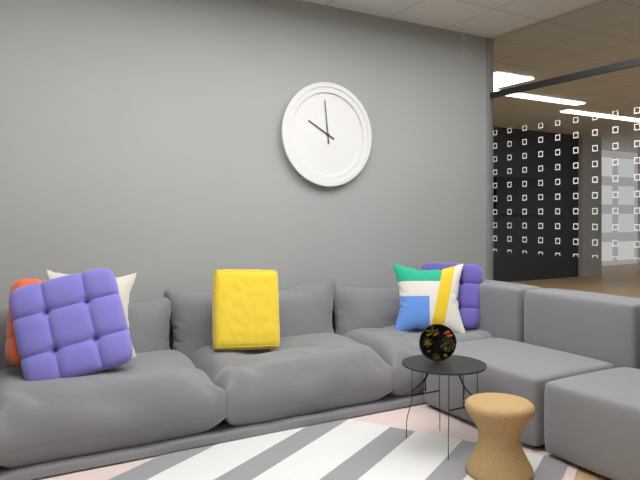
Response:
9h59
